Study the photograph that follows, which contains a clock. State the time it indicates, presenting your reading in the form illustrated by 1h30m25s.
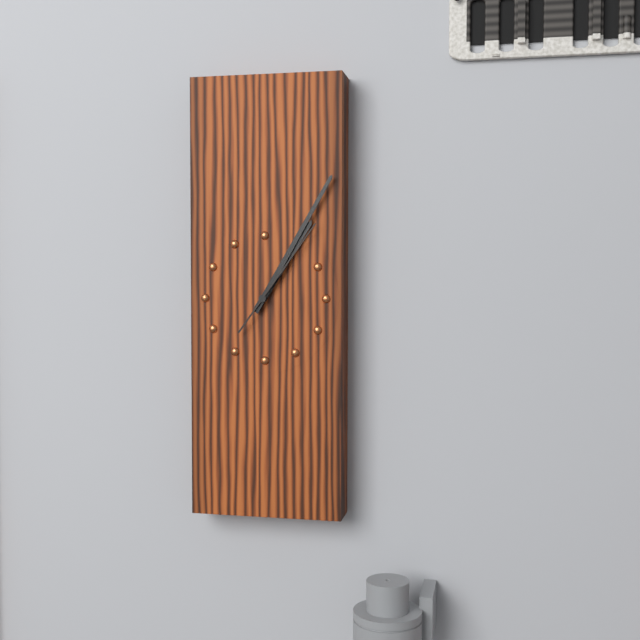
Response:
1h05m06s
